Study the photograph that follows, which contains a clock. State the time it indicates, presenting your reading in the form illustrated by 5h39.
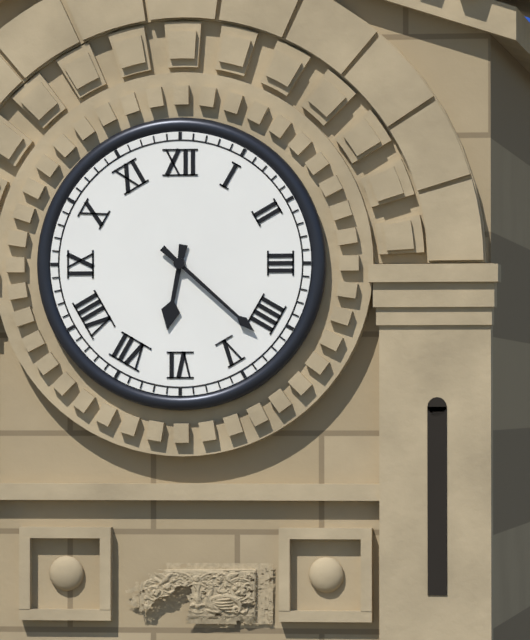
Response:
6h22
